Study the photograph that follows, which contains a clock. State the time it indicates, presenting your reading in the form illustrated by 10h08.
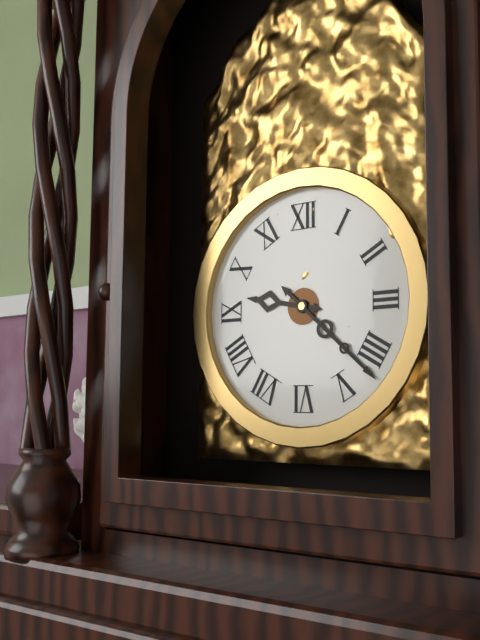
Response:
9h22
